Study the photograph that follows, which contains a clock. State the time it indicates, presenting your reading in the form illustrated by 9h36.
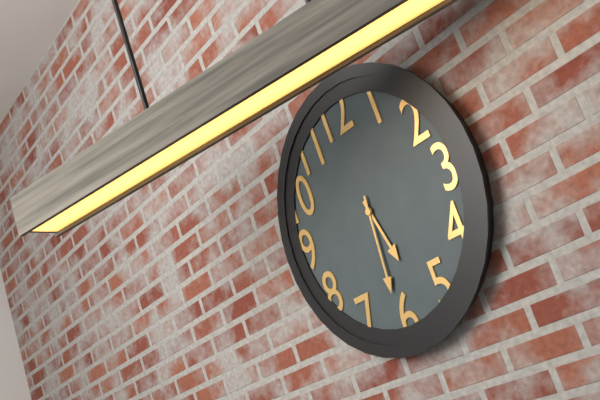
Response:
5h31
